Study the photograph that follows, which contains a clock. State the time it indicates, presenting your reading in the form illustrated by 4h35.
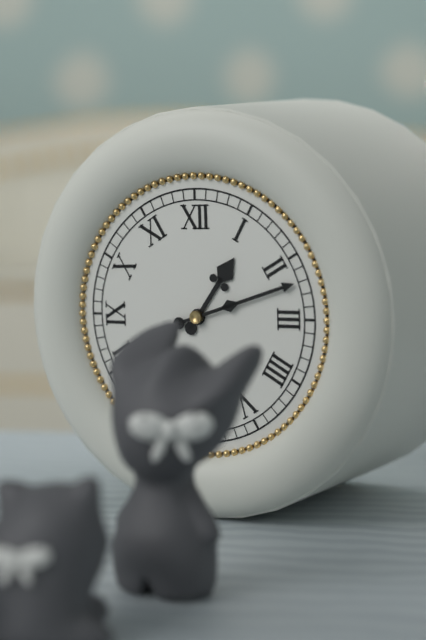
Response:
1h12
